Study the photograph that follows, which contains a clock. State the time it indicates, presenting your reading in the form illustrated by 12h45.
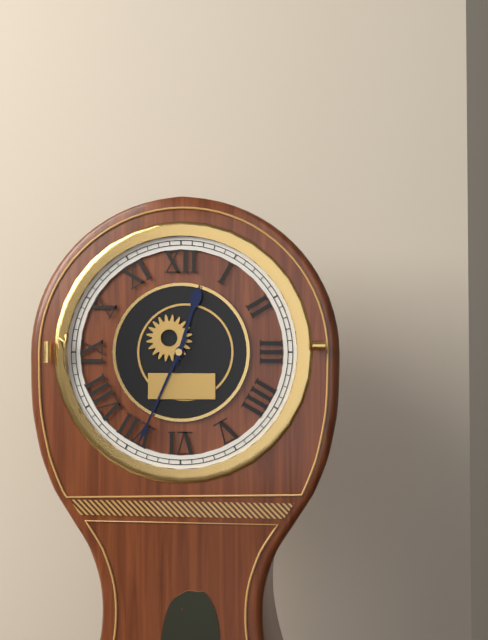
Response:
12h34
